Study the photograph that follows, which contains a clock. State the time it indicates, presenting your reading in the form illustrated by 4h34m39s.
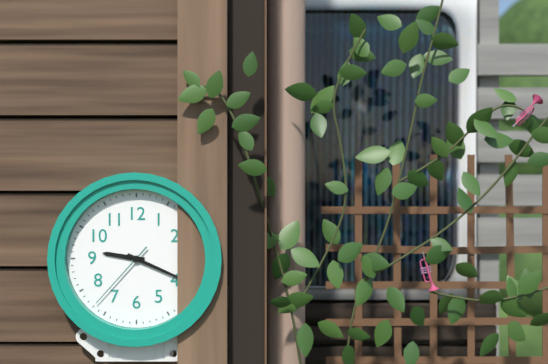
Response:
9h19m37s
